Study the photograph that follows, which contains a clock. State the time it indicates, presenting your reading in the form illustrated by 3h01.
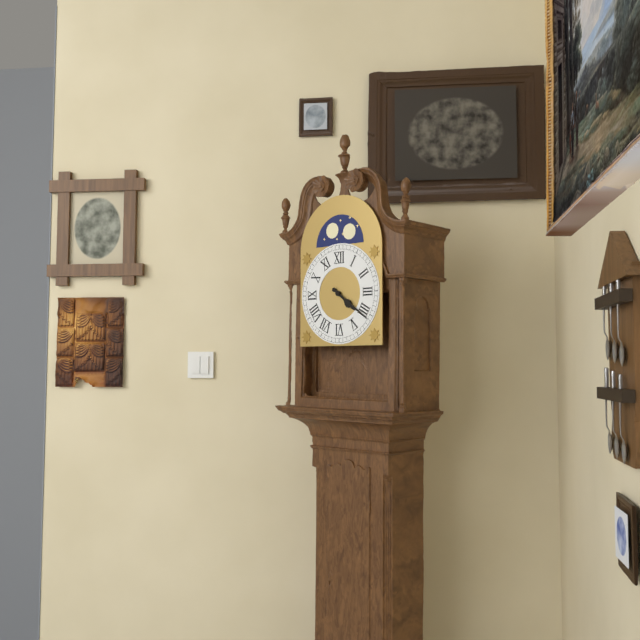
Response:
4h21
